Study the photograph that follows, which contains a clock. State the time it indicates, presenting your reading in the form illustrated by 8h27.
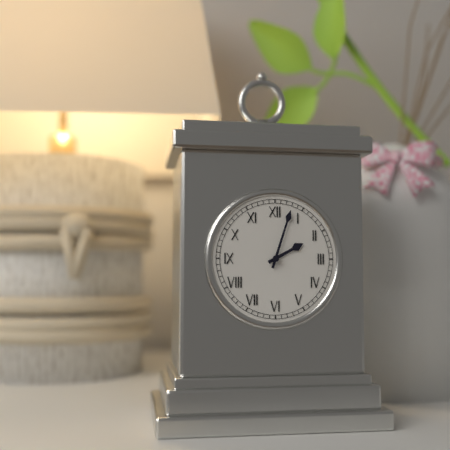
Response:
2h03
